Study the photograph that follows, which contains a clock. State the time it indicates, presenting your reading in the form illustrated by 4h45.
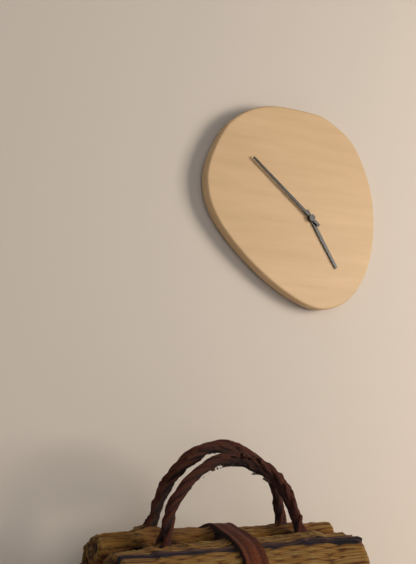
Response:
4h51
